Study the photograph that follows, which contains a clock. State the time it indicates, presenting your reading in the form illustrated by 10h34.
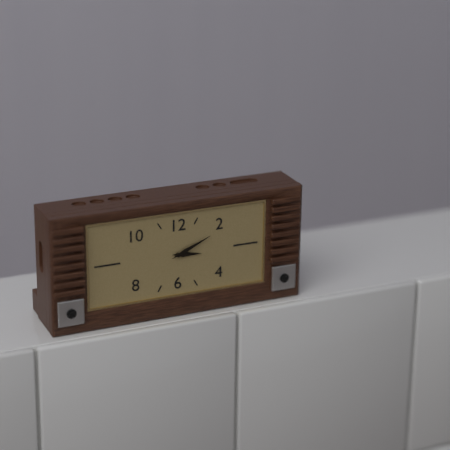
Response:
3h11
